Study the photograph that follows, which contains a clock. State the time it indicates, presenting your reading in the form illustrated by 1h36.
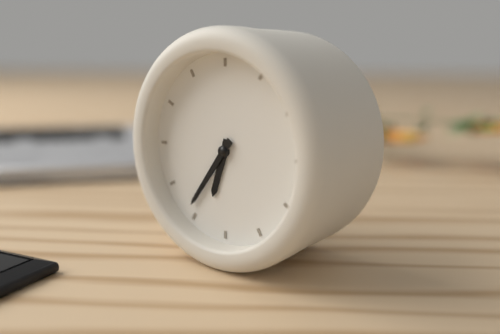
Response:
6h36
